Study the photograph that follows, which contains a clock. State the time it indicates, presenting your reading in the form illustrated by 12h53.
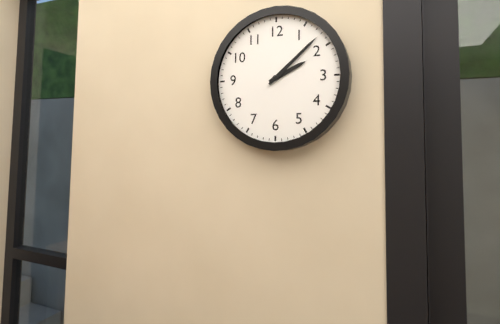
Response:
2h08
